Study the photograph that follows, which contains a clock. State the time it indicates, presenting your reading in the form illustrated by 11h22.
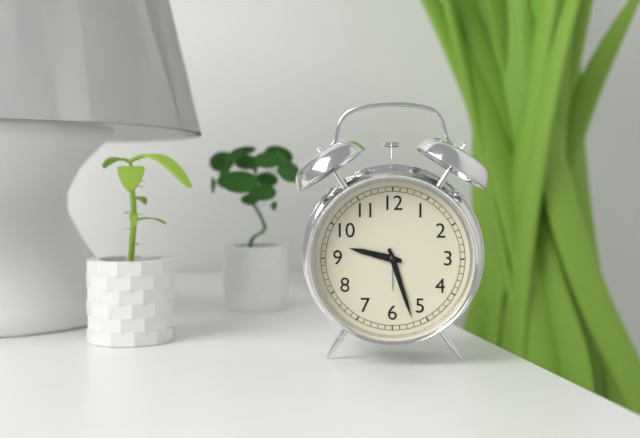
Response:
9h27
